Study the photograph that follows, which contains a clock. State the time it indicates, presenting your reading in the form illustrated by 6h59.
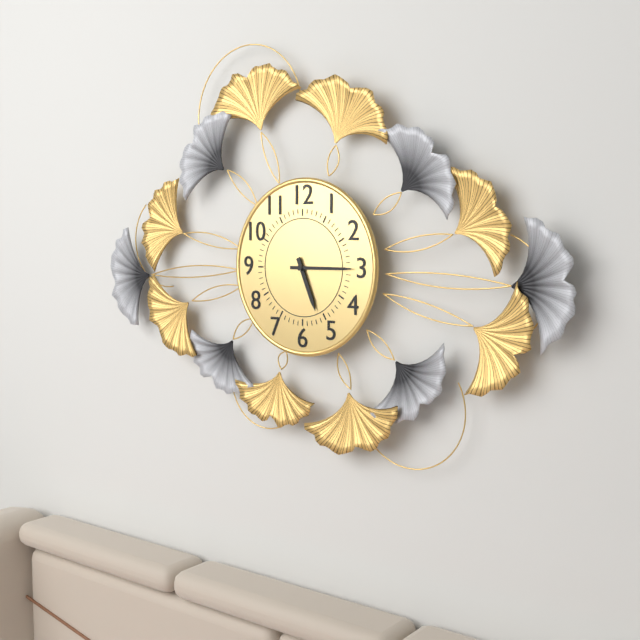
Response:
5h15
